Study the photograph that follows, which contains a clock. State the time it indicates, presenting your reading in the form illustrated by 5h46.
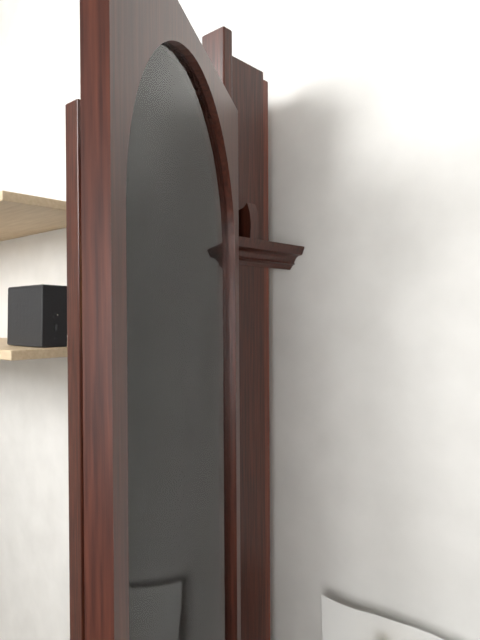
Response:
1h36
